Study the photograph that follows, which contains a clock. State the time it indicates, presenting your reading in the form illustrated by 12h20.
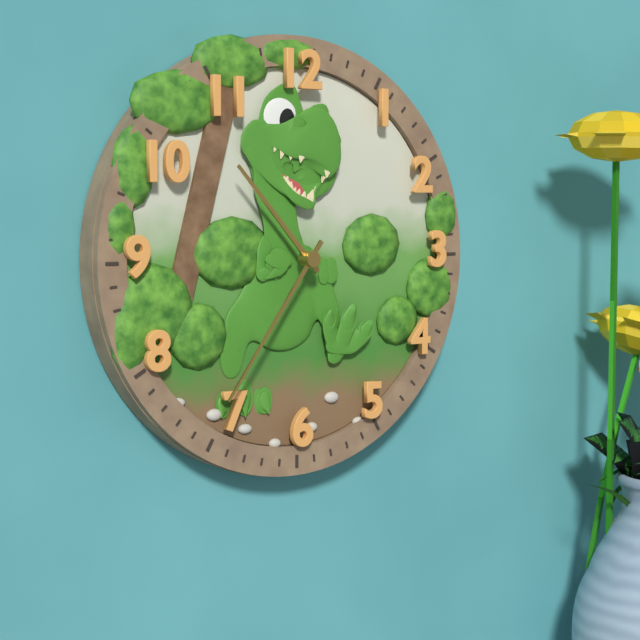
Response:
10h36
